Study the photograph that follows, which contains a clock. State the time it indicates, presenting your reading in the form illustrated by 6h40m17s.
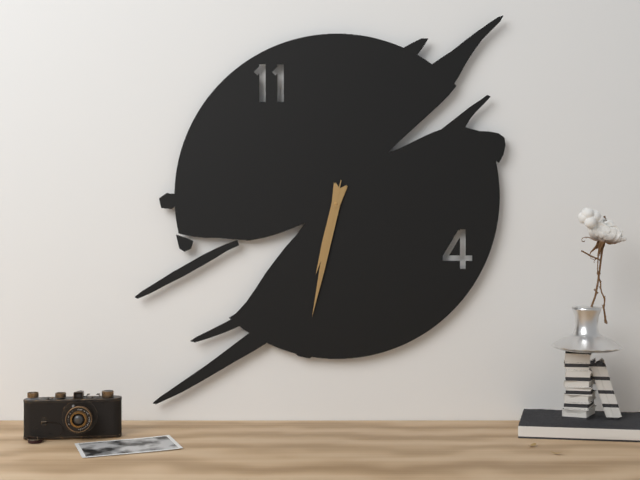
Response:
6h32m32s
